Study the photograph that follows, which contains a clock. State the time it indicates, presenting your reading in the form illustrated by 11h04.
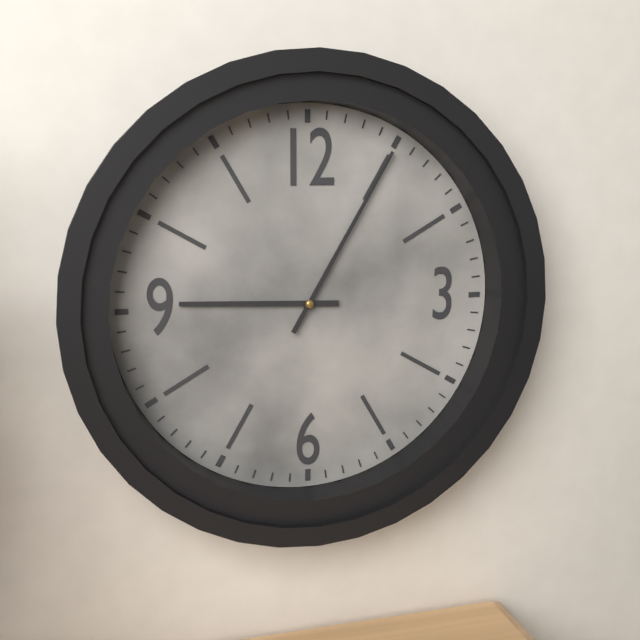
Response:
9h05
